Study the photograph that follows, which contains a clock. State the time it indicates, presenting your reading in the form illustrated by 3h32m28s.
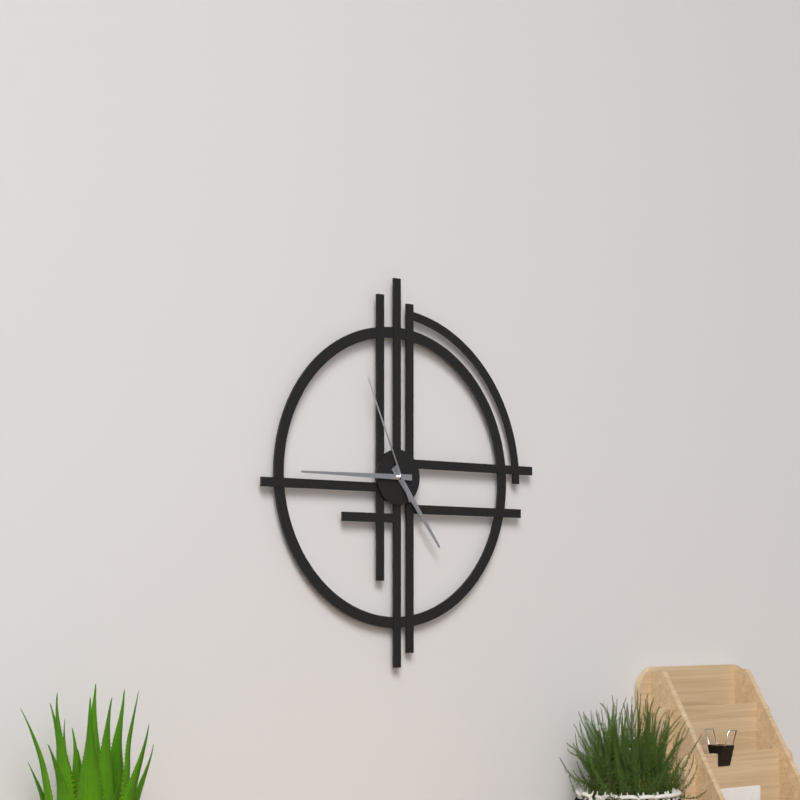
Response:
4h45m56s
